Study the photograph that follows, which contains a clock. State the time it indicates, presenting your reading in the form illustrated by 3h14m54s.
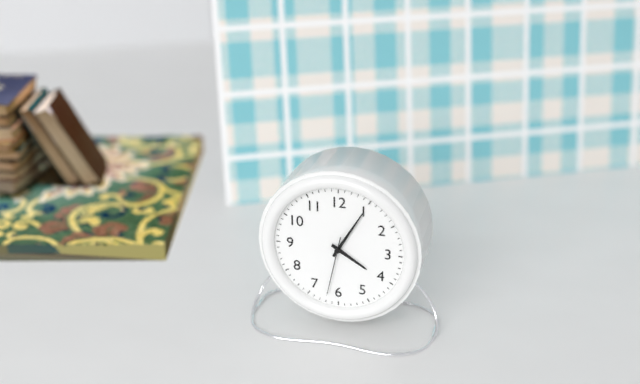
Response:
4h05m32s
